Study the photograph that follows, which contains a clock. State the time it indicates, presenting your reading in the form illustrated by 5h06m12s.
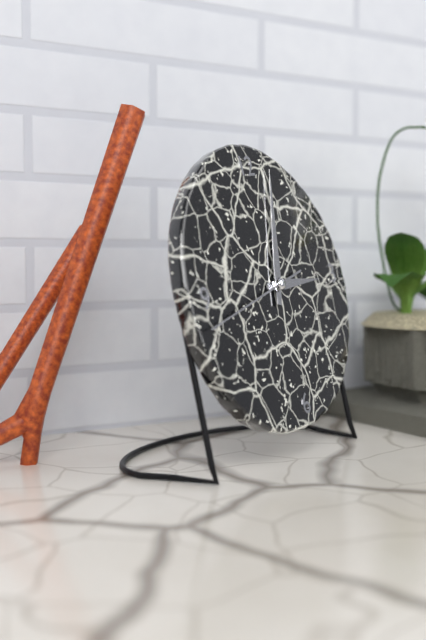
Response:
3h03m43s
